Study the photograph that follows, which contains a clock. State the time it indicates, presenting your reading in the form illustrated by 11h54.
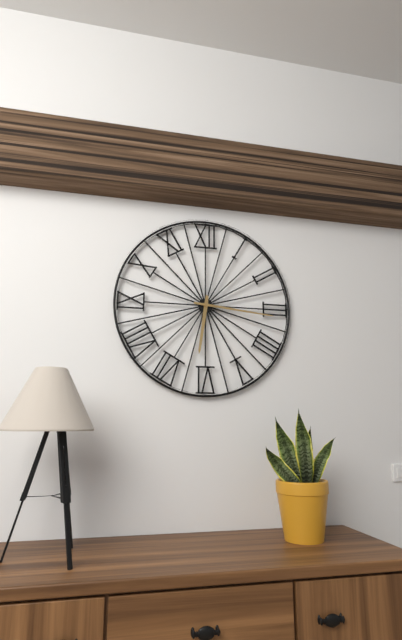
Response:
6h16
